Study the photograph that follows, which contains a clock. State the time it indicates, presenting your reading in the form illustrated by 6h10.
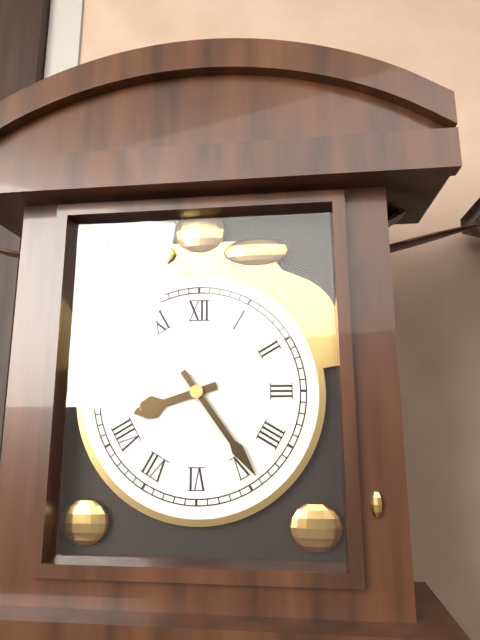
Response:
8h24
